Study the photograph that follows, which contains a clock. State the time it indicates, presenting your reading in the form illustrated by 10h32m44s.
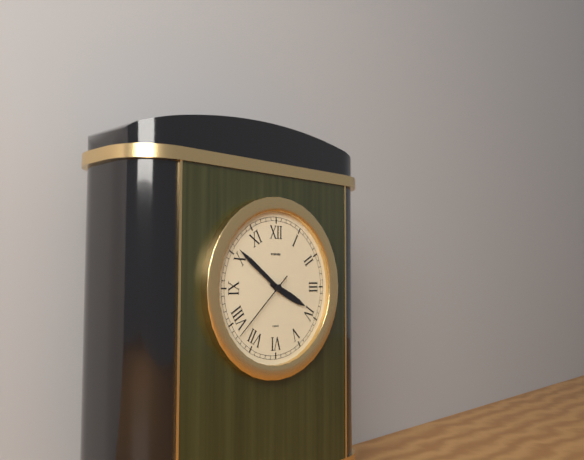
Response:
3h51m38s
